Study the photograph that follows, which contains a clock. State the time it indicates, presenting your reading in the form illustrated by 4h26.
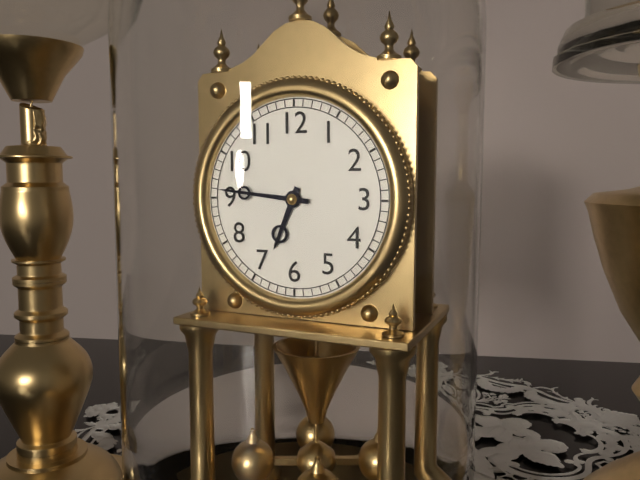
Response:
6h46
